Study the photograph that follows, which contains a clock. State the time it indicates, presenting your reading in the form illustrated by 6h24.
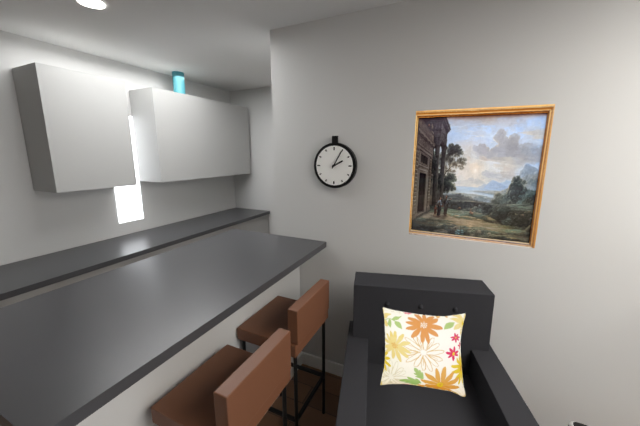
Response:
2h05
